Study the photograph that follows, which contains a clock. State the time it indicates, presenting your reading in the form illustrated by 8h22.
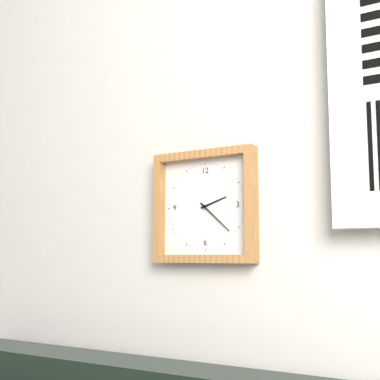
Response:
2h22
